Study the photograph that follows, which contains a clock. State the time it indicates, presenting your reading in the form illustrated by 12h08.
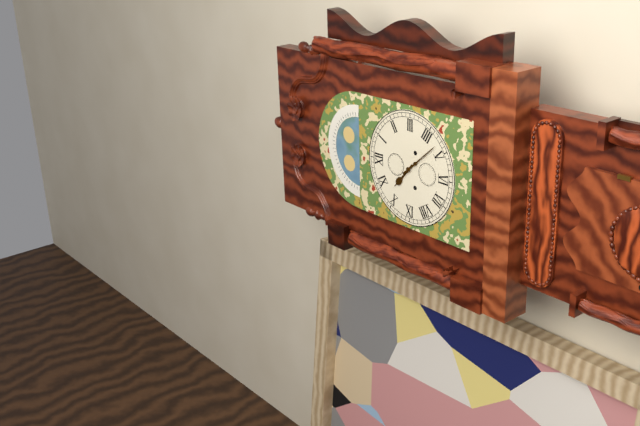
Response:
10h23
